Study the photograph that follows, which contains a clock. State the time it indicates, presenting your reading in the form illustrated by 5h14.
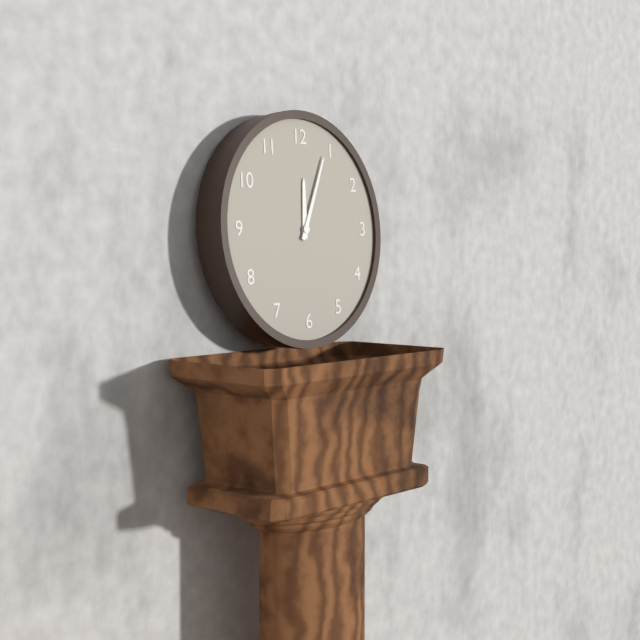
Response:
12h04
